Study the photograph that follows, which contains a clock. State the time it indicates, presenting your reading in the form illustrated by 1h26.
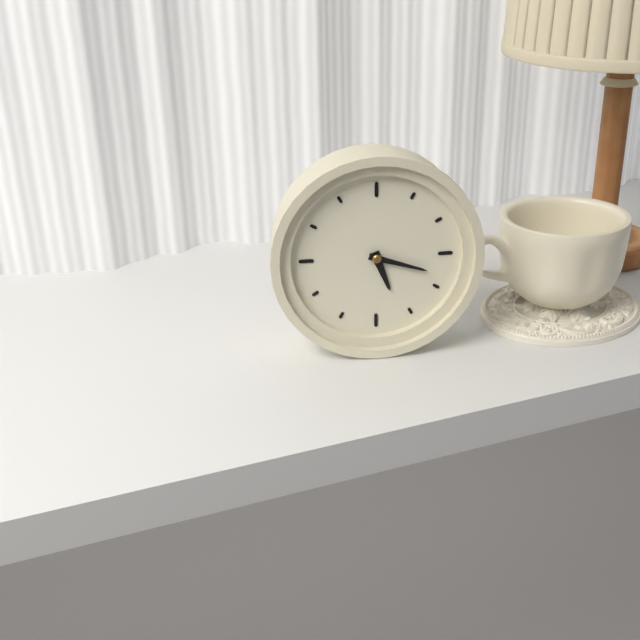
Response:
5h18
